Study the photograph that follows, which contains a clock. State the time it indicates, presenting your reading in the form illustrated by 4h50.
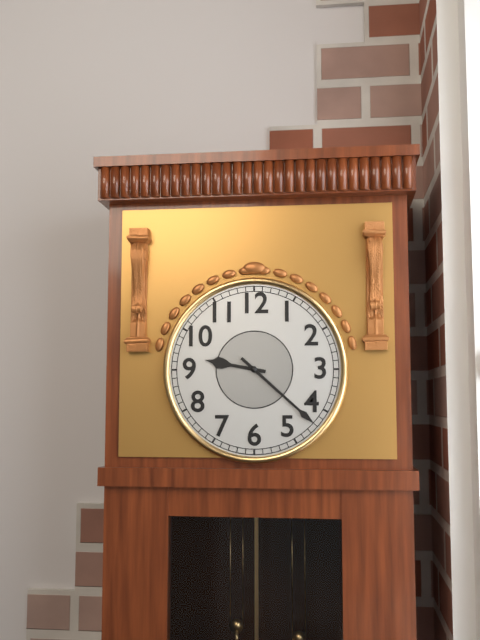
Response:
9h22
